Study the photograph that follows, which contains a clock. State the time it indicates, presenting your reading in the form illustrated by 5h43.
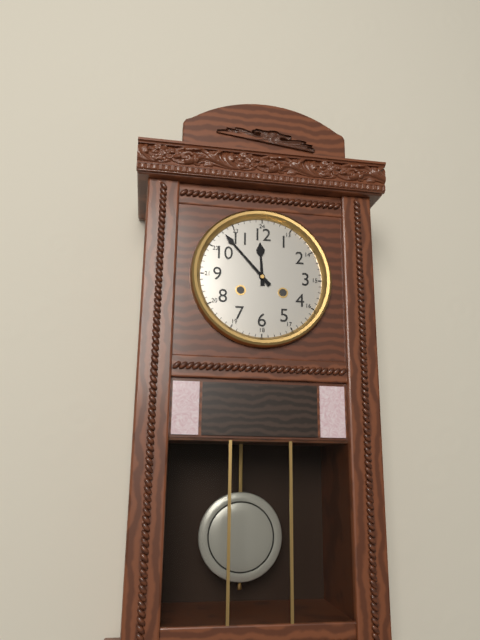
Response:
11h53
